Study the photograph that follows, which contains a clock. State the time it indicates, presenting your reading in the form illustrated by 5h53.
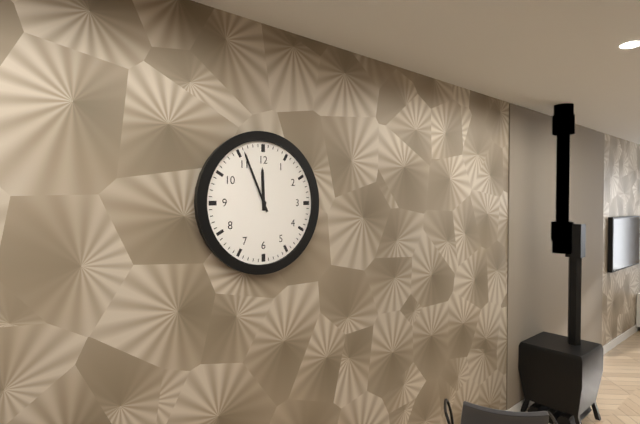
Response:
11h56
